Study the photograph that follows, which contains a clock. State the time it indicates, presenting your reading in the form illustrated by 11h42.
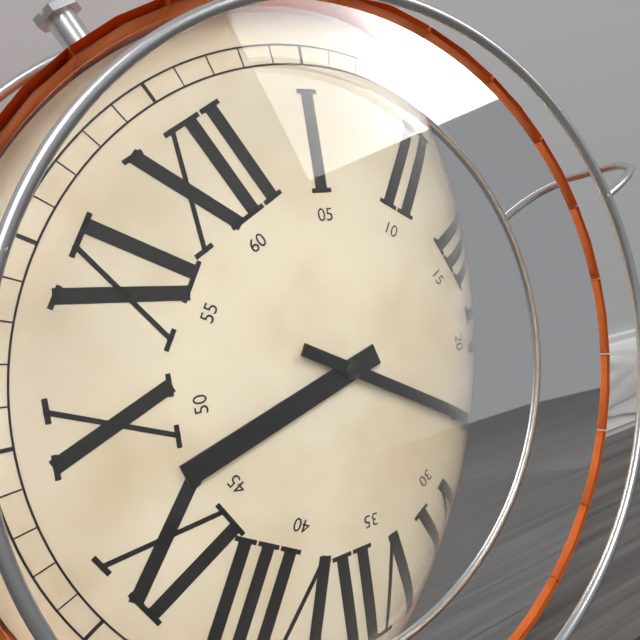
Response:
9h25
